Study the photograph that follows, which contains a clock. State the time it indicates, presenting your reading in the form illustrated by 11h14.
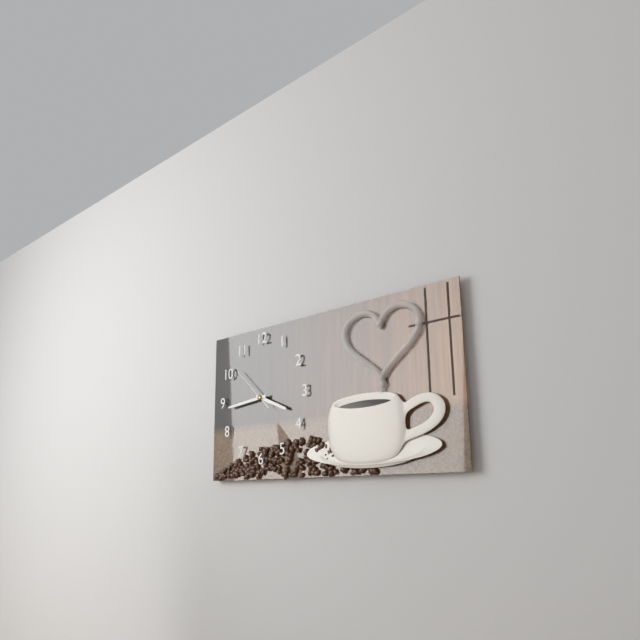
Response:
3h44
